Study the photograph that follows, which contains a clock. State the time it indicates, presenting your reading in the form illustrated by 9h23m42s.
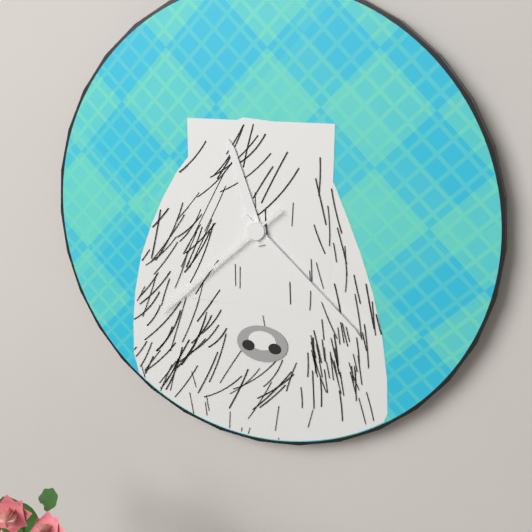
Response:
11h22m38s
